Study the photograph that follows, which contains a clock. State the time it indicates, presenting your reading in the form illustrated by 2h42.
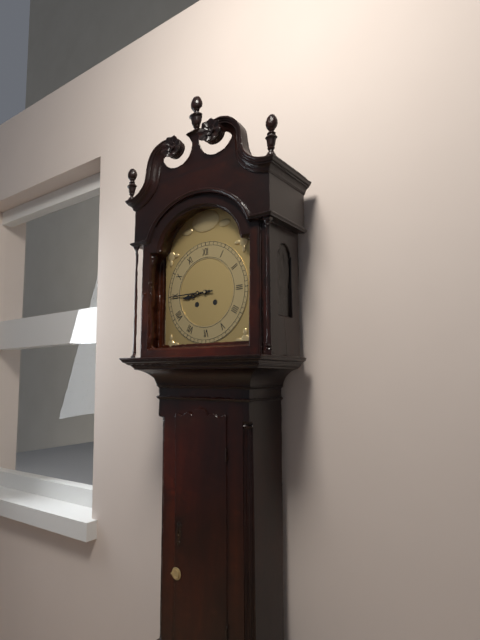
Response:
8h45
